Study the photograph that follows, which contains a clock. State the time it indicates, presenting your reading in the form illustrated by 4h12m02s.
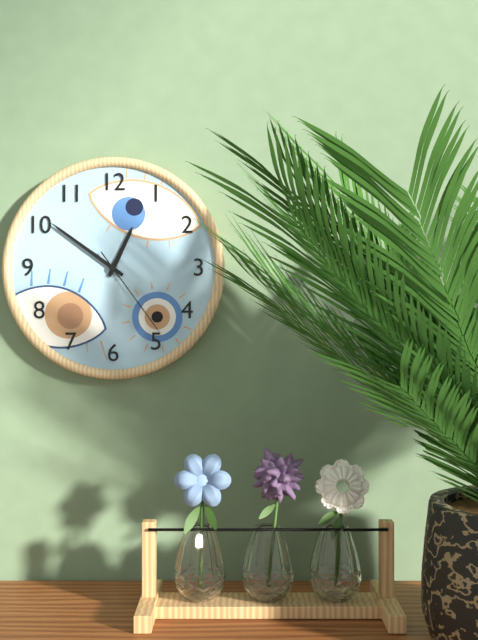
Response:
12h51m24s
